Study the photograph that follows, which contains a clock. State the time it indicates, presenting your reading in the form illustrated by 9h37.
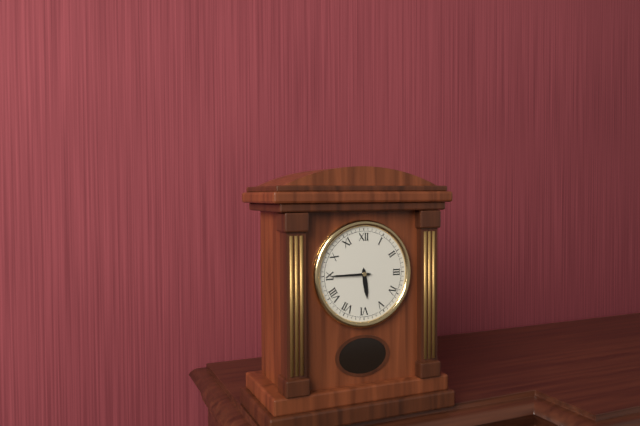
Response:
5h45
